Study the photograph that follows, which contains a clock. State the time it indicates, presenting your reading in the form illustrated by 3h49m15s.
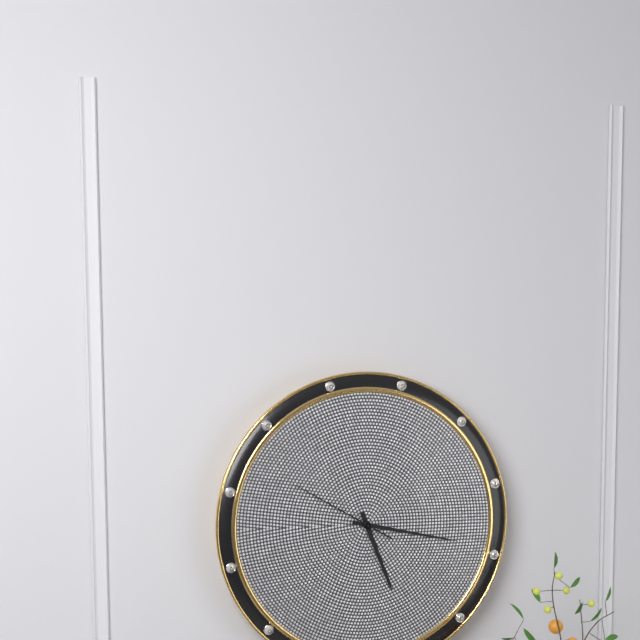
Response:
5h17m50s
